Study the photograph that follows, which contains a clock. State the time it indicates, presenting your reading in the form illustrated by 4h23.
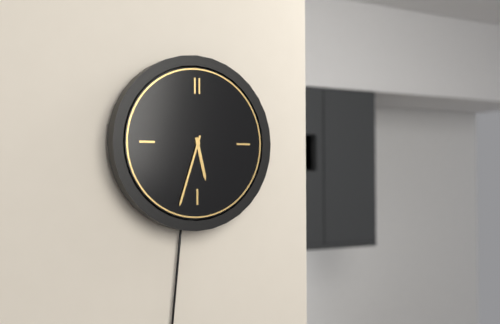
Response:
5h33
